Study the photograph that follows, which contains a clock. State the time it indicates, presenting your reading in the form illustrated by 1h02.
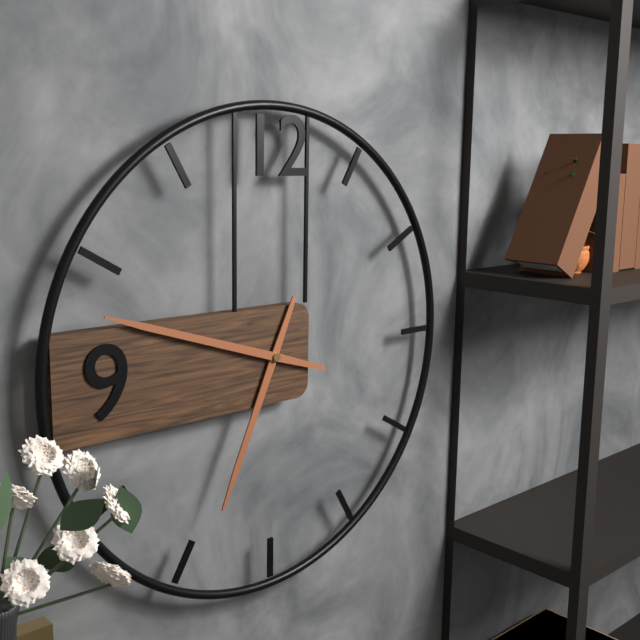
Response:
6h48
